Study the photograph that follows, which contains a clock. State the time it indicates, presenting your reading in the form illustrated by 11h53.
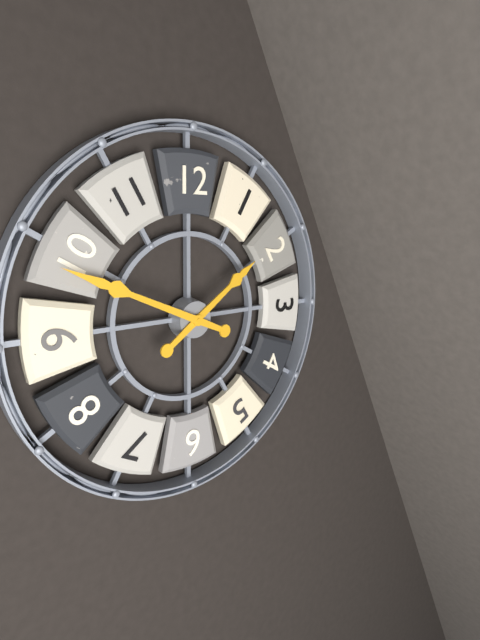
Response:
1h49
